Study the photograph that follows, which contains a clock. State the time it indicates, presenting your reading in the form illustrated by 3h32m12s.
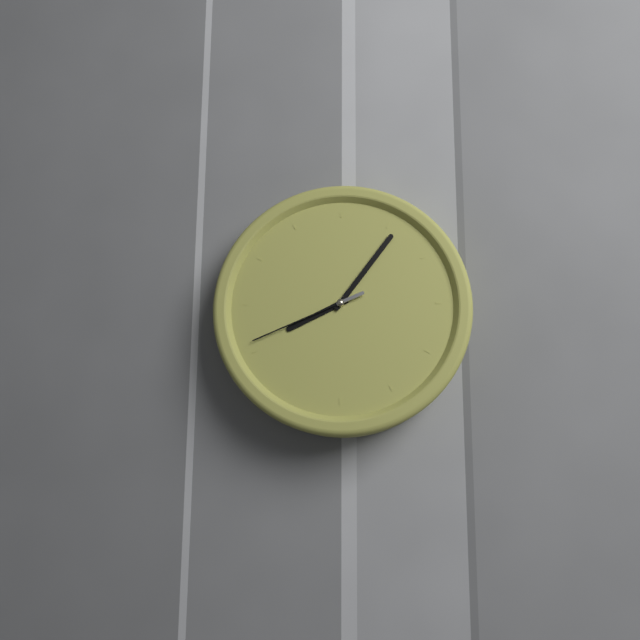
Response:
8h06m41s
